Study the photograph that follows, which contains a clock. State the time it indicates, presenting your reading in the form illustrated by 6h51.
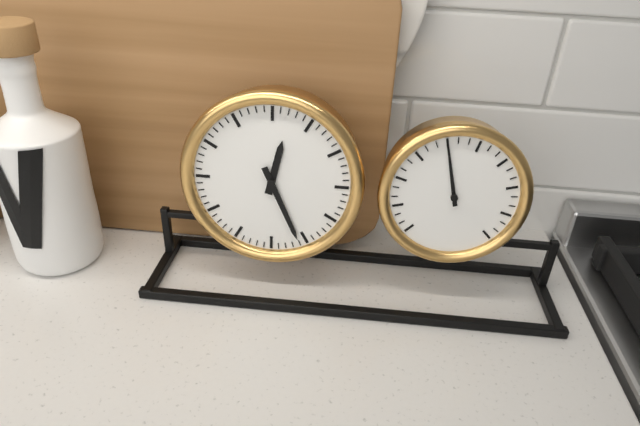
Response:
12h26
